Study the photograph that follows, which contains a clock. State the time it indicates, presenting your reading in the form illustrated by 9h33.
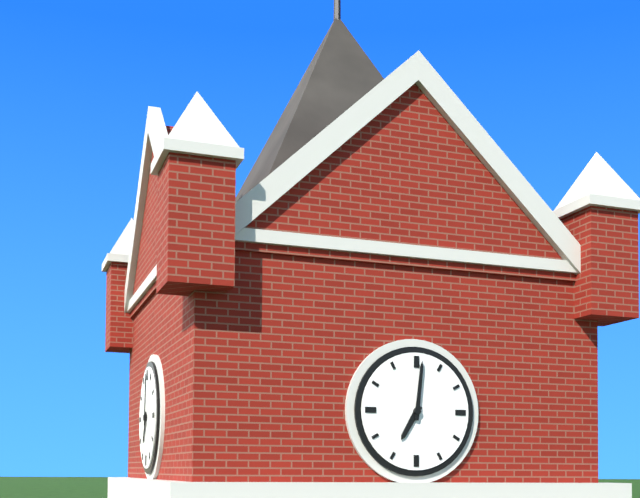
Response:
7h01
